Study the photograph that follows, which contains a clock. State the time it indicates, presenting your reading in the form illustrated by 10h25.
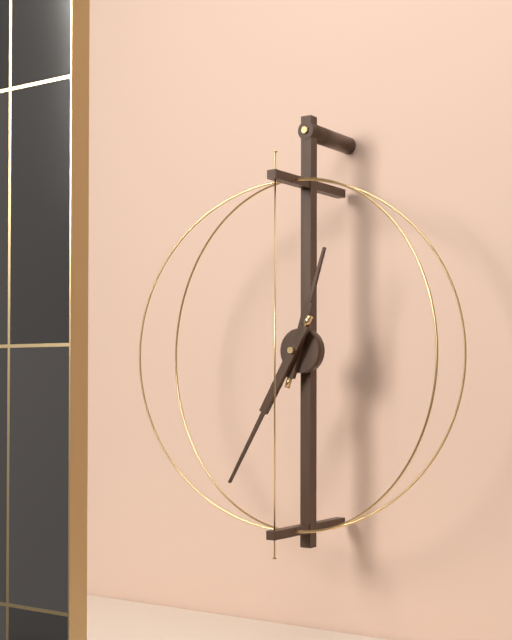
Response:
12h35
